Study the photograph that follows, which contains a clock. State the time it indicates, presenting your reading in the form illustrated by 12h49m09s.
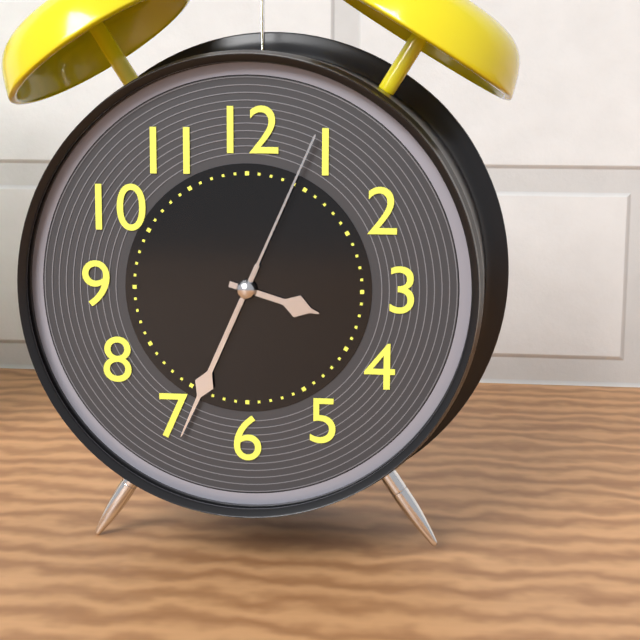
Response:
3h34m04s
